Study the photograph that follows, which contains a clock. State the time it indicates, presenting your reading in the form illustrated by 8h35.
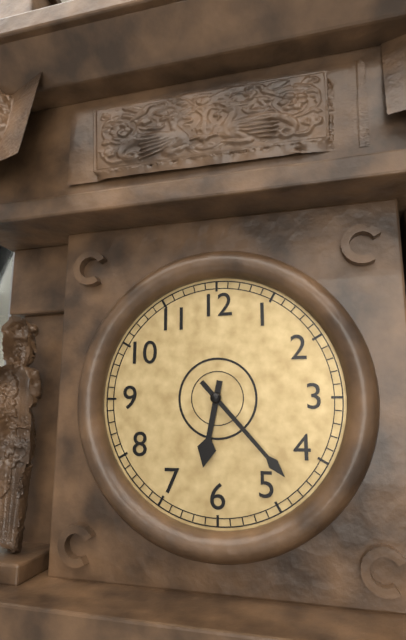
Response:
6h23
